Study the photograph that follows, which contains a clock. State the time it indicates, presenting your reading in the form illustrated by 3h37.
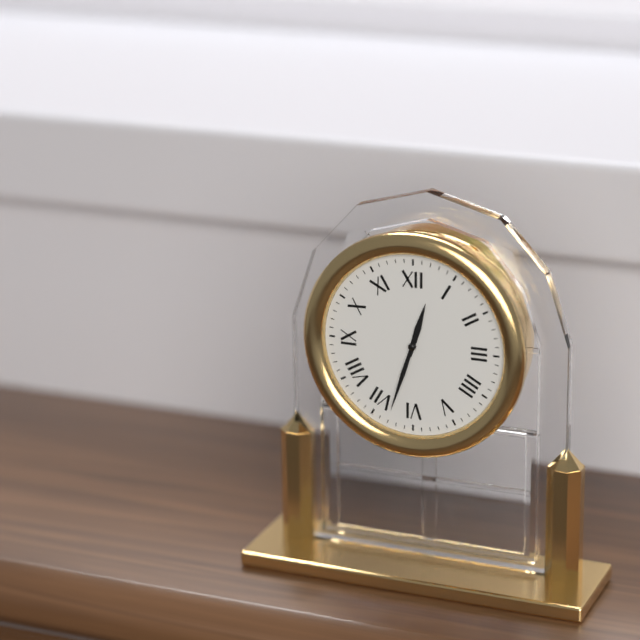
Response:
12h33
